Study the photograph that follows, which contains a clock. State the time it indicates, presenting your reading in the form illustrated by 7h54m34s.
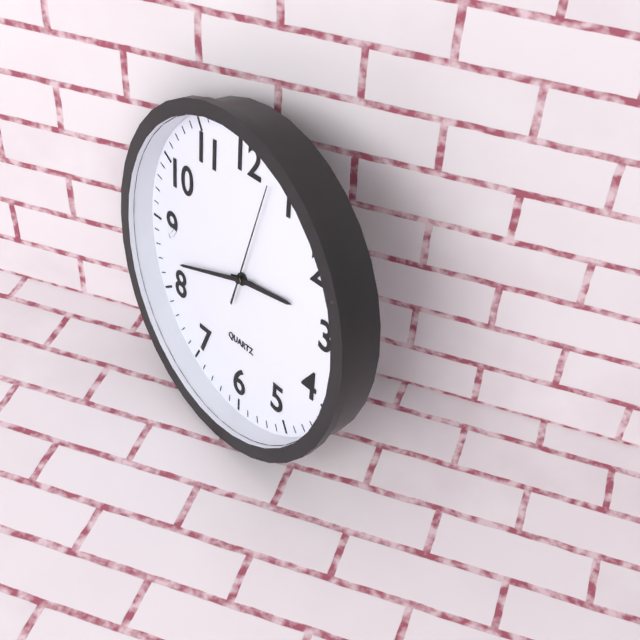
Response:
2h42m03s
